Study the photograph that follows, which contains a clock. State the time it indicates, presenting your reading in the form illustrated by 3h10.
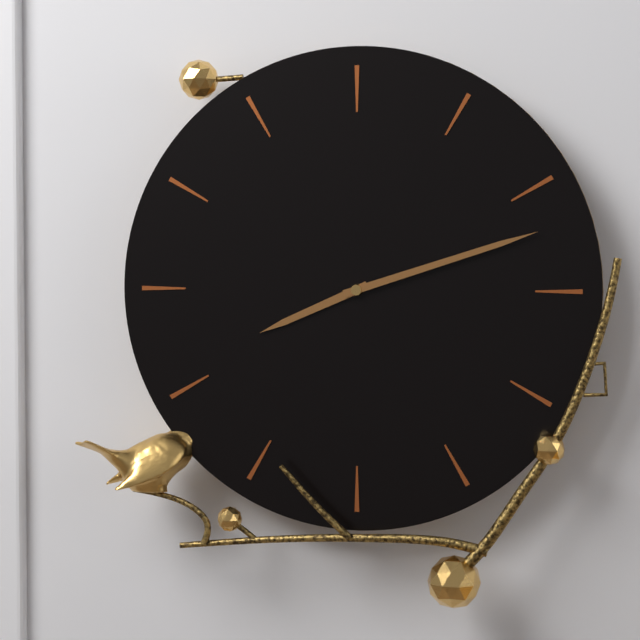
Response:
8h12
